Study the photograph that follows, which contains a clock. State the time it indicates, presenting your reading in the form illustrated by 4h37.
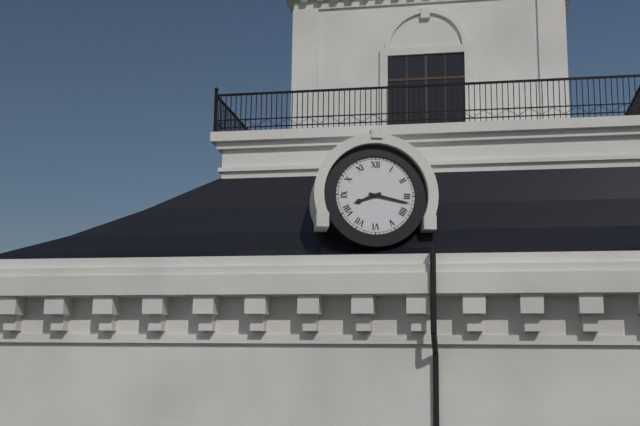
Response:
8h17
